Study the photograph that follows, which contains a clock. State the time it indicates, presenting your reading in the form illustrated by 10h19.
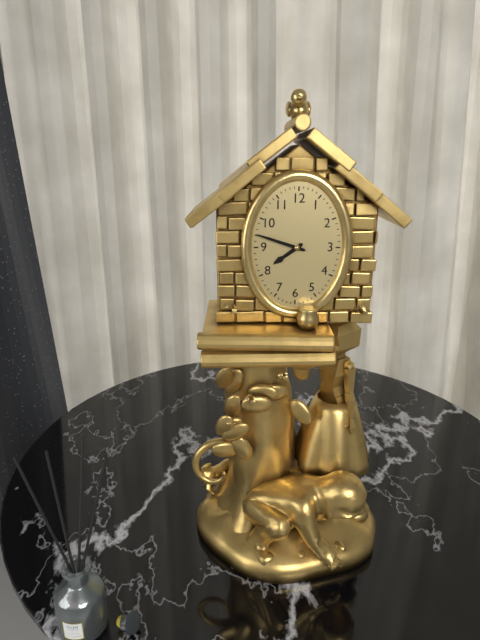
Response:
7h48
